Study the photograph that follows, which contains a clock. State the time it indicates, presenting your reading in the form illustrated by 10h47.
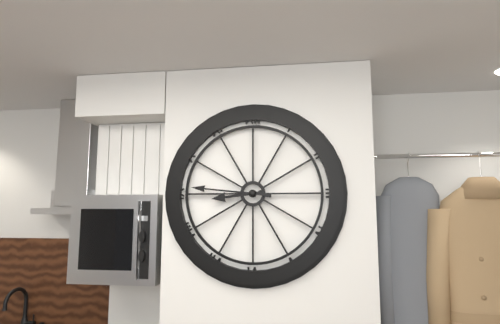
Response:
8h46
